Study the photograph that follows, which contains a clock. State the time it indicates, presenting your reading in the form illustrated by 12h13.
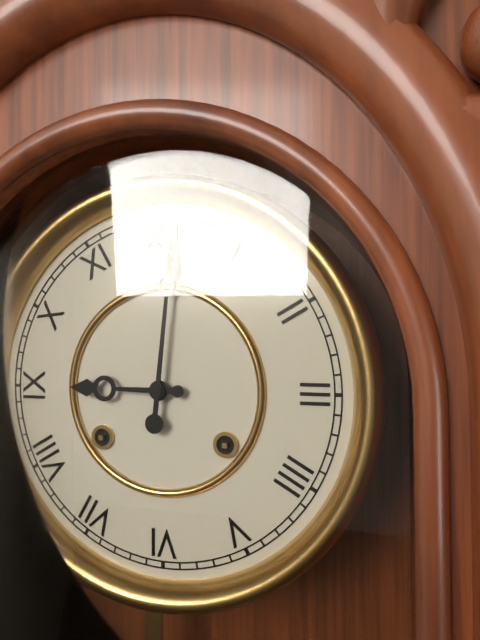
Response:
9h01
